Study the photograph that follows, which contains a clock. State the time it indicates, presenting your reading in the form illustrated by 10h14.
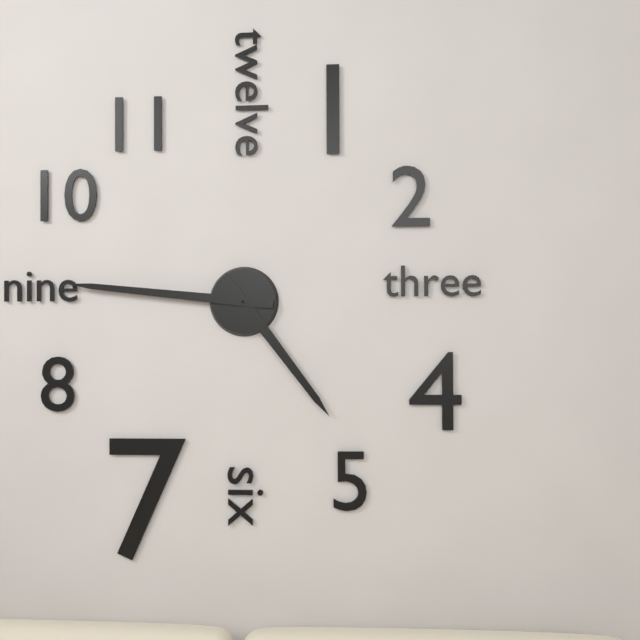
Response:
4h46
